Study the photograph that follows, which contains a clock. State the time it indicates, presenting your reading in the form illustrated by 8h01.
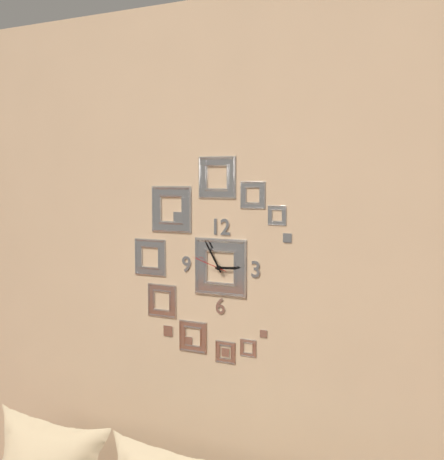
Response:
2h55
